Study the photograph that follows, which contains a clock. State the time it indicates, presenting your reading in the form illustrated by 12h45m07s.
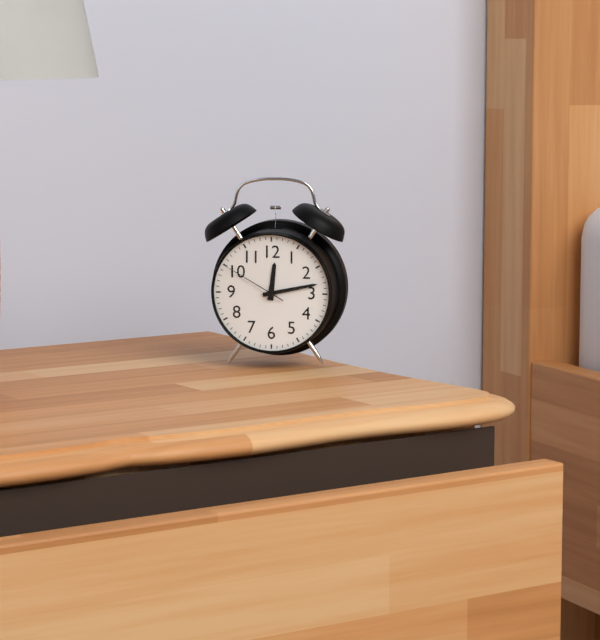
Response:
12h13m50s
